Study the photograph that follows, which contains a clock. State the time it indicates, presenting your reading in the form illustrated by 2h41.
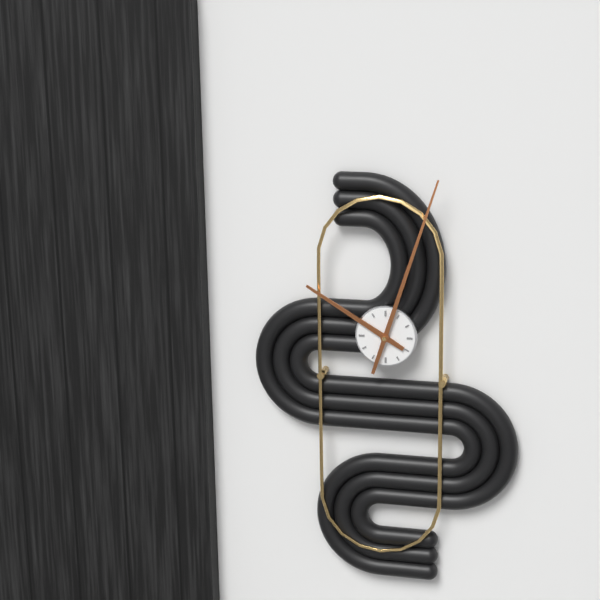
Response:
10h03
